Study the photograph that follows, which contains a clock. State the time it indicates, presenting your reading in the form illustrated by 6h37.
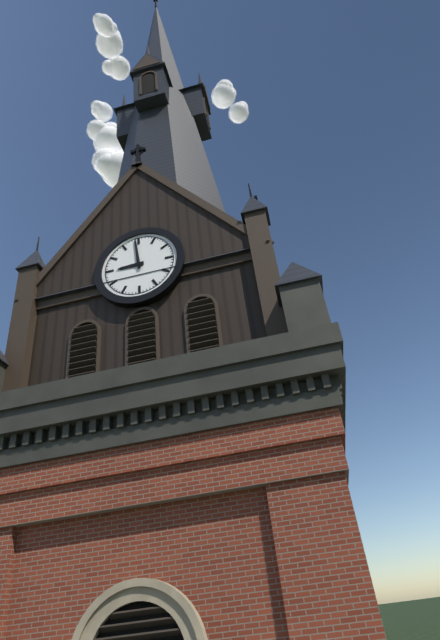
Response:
8h59
